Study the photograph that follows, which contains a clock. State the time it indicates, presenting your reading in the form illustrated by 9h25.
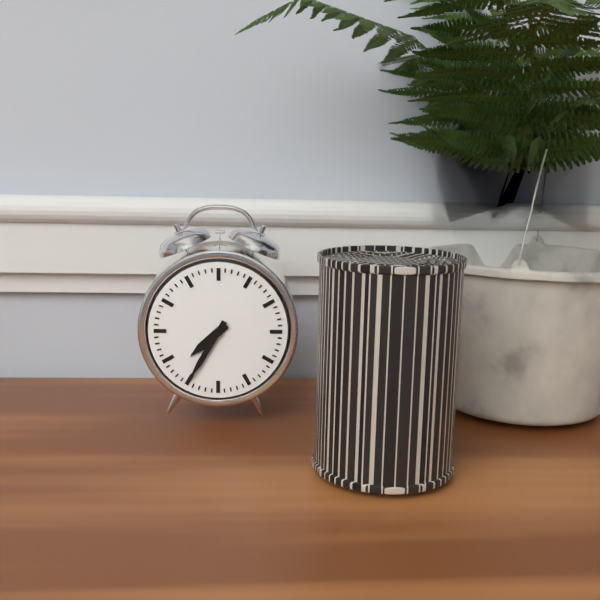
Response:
7h35
